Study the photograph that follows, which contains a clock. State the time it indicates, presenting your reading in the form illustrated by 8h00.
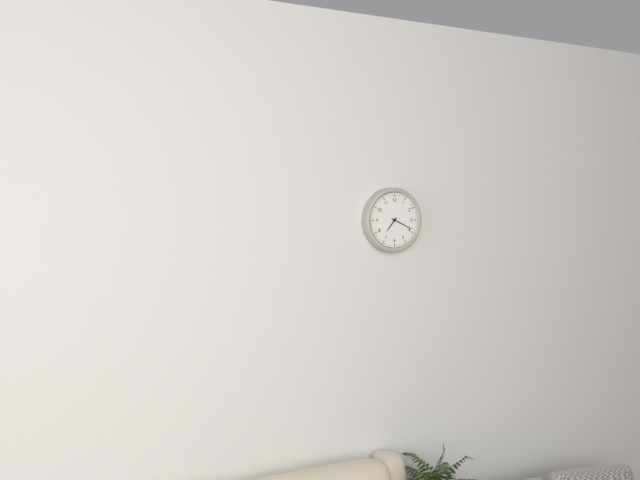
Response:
7h19
